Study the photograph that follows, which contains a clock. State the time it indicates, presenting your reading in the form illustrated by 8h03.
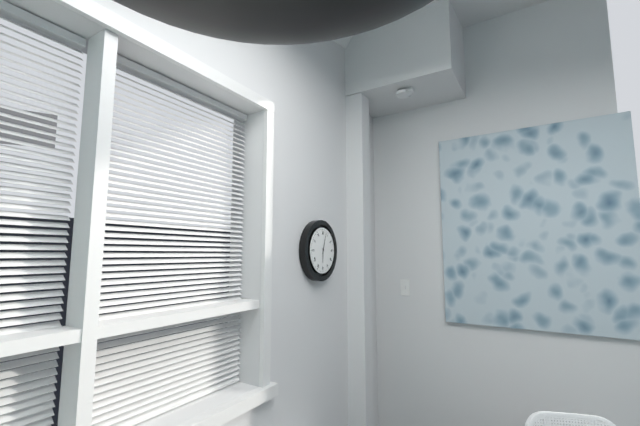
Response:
6h03
